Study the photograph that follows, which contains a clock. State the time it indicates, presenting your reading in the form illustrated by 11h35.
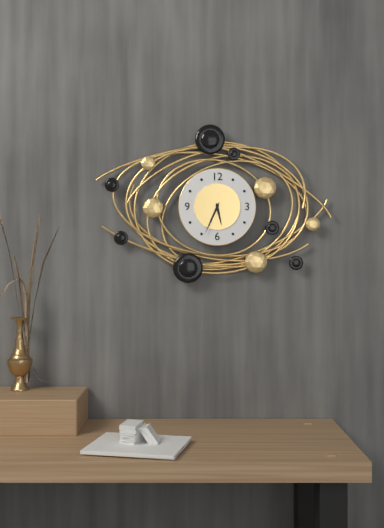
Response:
5h34
